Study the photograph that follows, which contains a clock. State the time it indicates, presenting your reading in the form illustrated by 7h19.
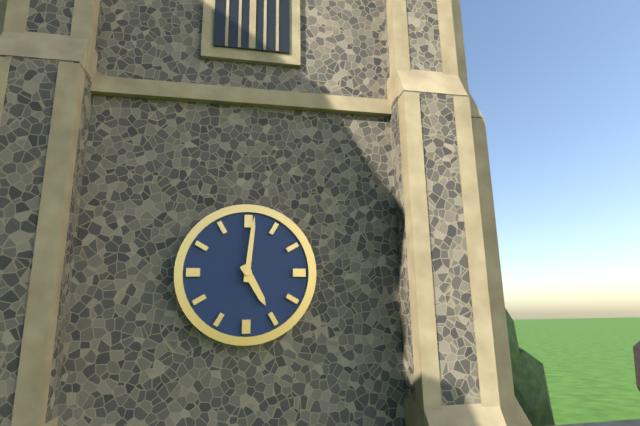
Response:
5h01
